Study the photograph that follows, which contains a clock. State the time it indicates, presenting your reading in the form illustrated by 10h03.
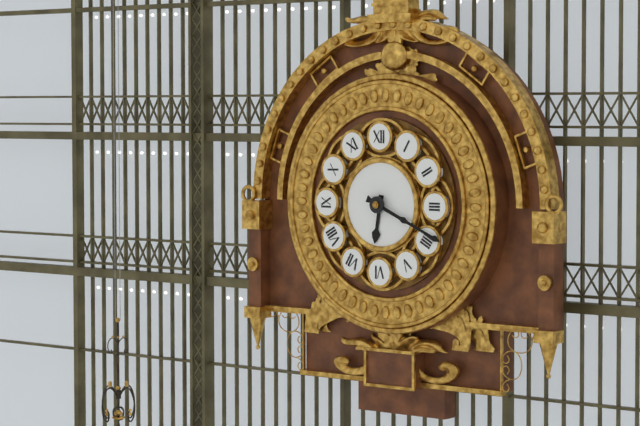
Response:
6h19
